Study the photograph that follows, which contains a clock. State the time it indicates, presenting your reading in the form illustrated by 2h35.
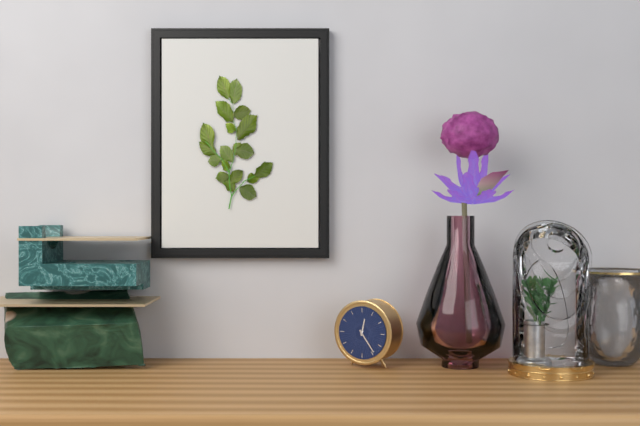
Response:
12h24
